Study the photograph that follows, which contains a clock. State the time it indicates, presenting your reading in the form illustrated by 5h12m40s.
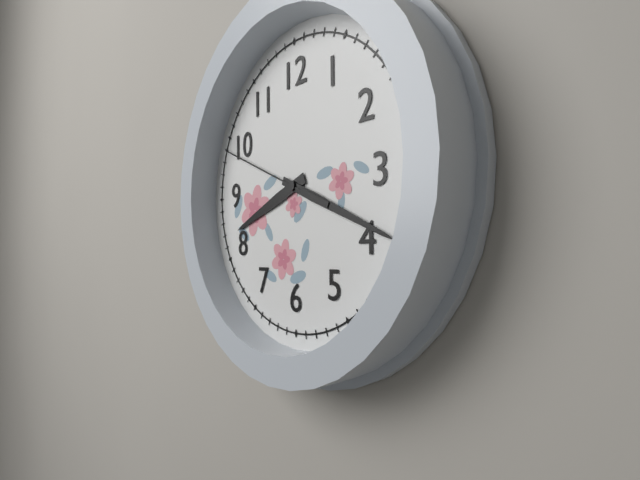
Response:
8h19m49s
